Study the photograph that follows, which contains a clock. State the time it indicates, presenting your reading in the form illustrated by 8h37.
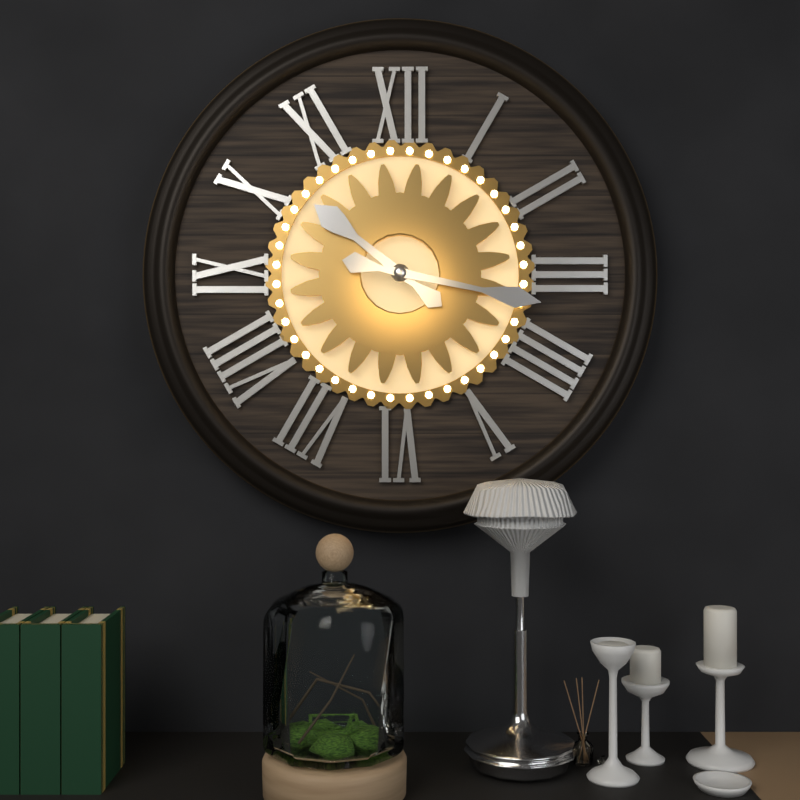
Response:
10h17
